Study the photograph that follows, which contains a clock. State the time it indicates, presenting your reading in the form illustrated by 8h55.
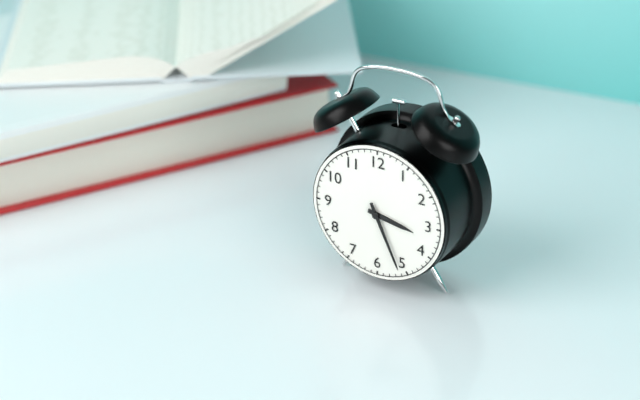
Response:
3h26
